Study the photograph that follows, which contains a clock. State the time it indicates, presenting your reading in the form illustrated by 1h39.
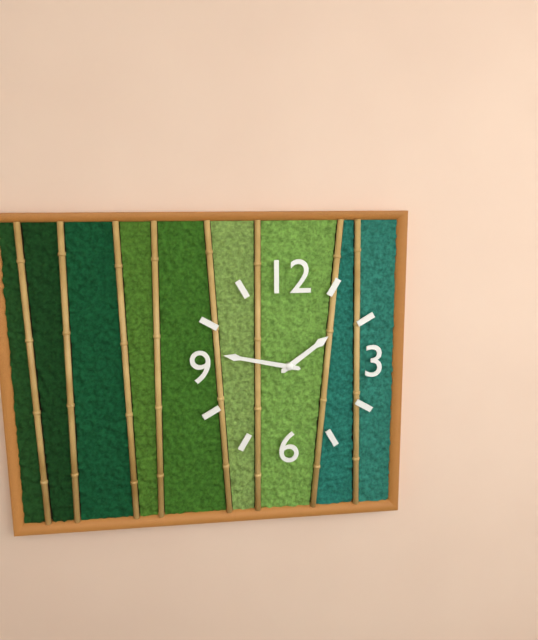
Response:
1h47
